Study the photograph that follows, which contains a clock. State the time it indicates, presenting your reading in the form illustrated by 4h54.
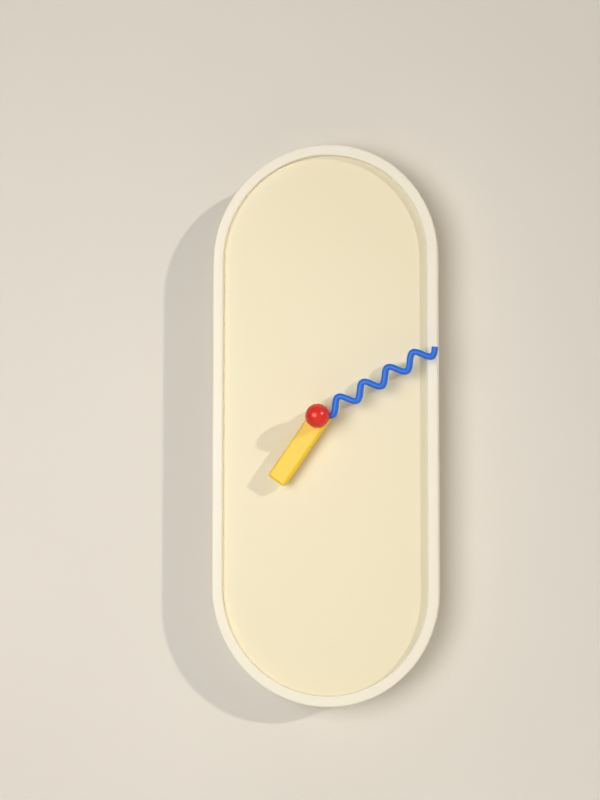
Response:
7h10
